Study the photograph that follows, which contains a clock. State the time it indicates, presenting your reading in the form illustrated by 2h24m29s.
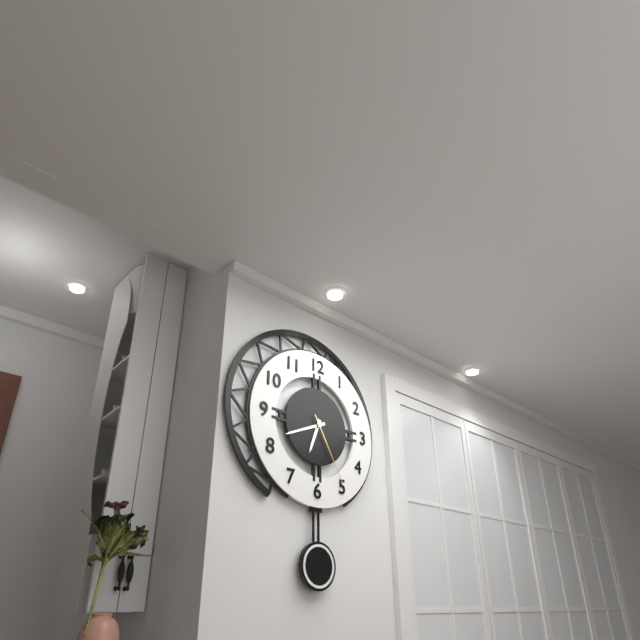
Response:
6h41m25s
